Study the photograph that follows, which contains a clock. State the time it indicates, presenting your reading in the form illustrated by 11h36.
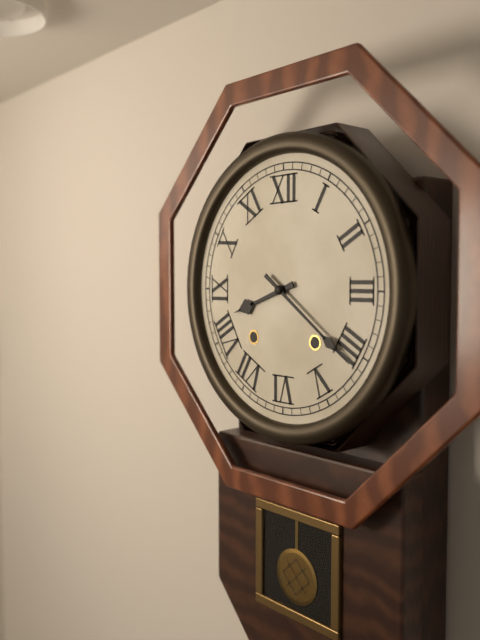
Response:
8h21
